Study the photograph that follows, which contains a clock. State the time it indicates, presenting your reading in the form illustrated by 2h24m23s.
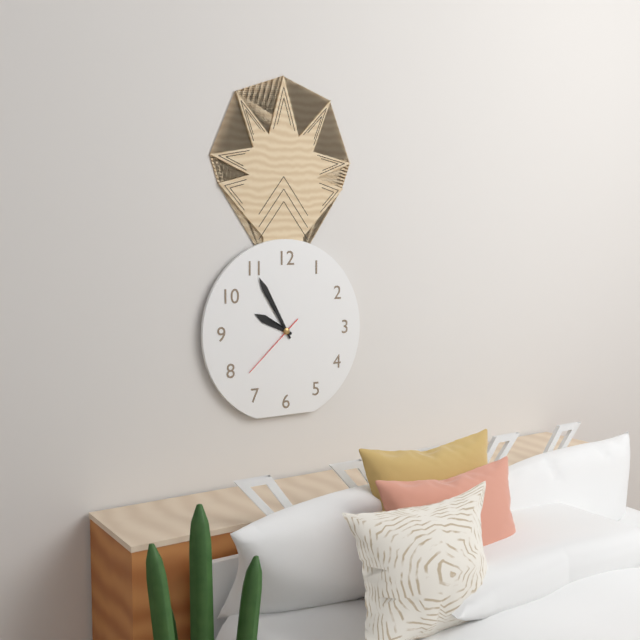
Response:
9h55m38s
